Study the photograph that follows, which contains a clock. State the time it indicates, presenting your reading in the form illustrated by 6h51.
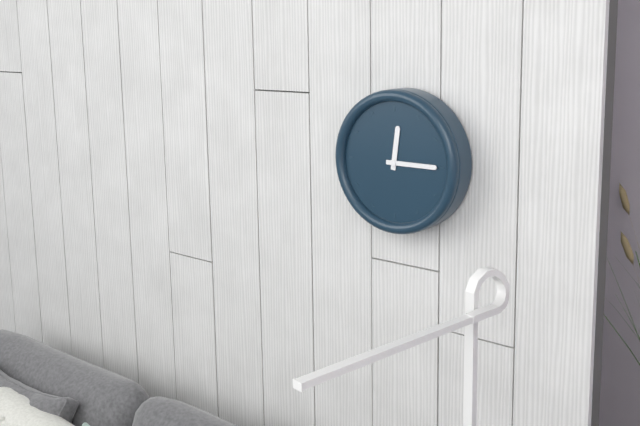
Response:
12h15
